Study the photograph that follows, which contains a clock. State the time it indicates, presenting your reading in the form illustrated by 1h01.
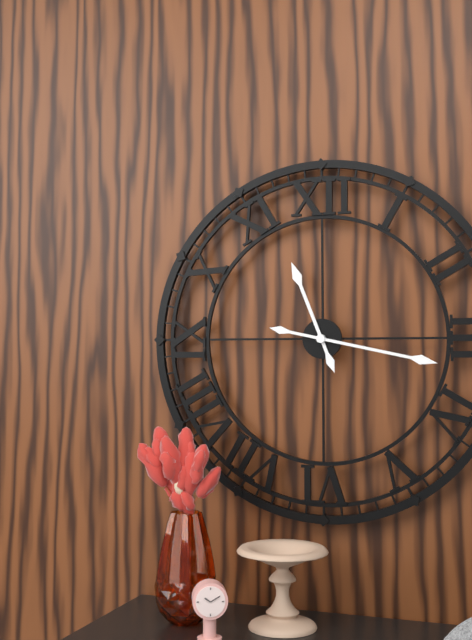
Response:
11h17
